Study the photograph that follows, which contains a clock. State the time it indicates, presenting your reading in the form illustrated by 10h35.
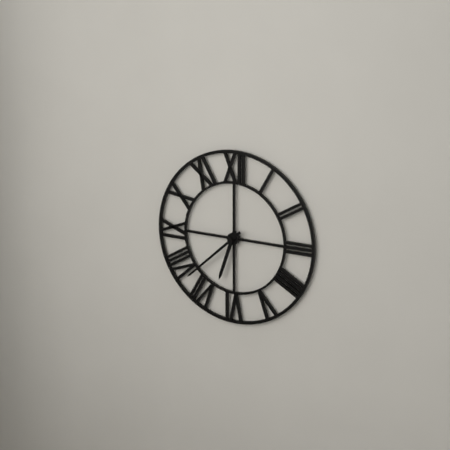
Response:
6h38
